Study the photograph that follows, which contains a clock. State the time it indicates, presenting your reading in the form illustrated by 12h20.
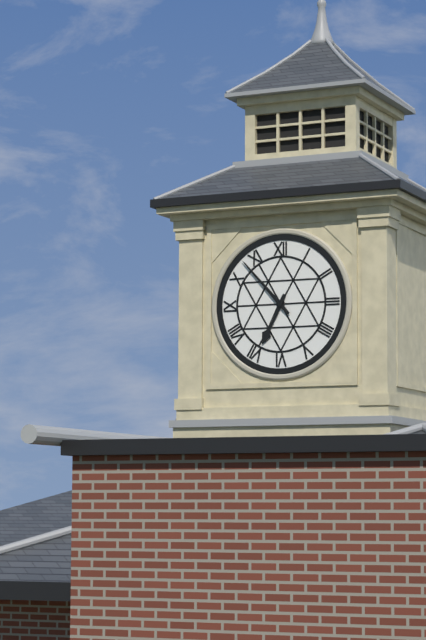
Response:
6h53
